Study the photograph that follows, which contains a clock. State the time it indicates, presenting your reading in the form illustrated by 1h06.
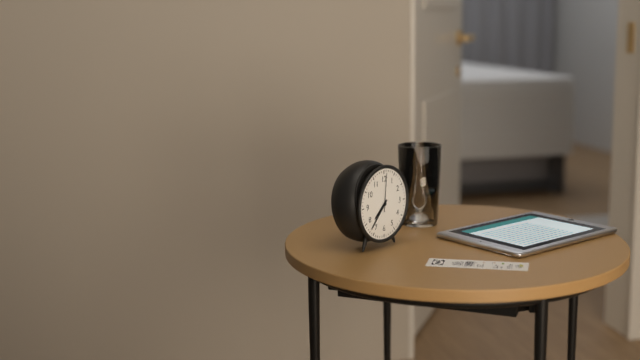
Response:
7h37
